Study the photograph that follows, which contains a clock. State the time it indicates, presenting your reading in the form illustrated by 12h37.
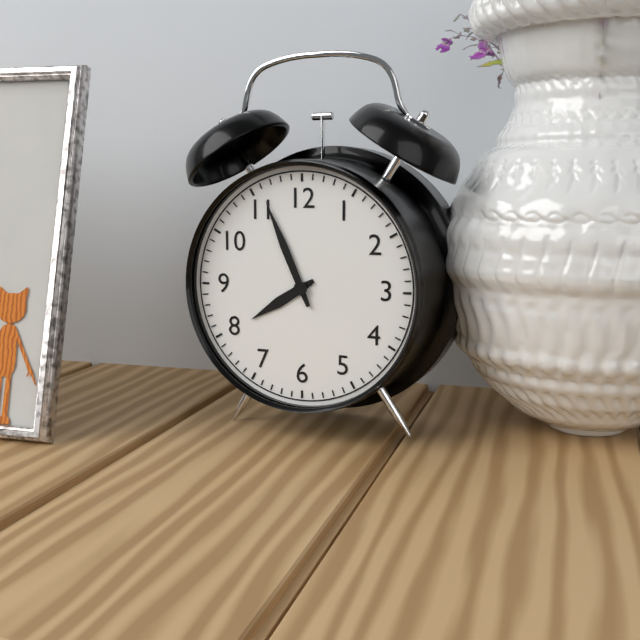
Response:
7h56
